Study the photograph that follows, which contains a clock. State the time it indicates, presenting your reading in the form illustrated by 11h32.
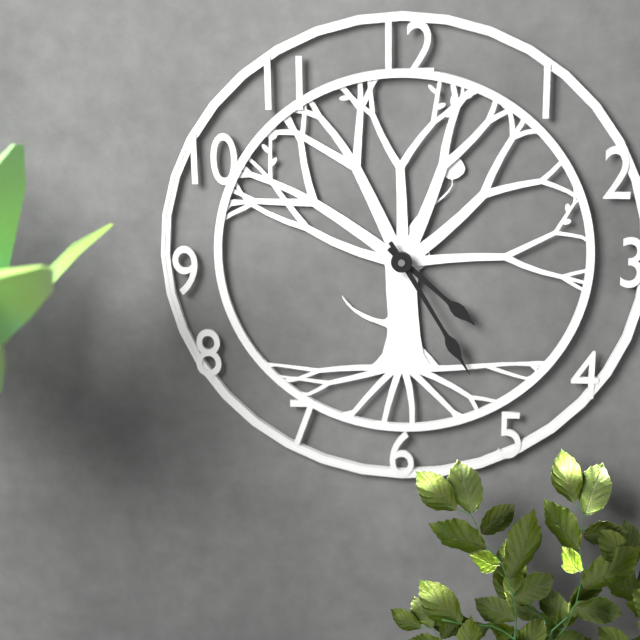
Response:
4h25
